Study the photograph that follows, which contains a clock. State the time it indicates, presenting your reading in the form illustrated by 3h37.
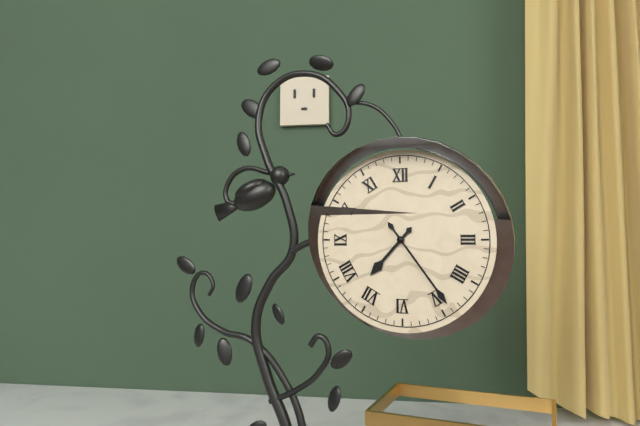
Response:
7h24
